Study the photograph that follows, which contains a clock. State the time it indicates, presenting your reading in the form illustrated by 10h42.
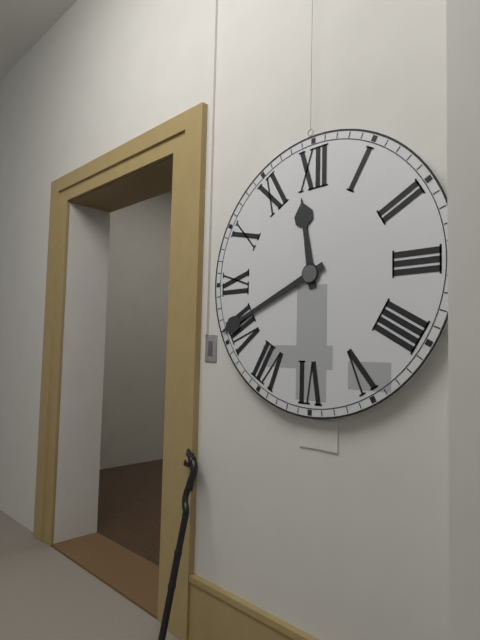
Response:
11h41
